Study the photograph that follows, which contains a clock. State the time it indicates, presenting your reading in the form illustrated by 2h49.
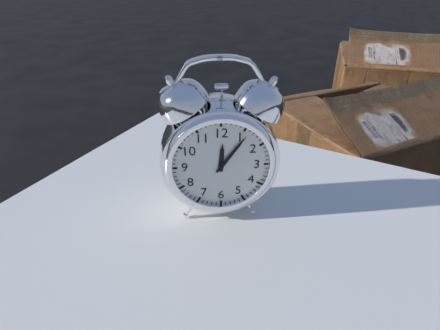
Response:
12h06
